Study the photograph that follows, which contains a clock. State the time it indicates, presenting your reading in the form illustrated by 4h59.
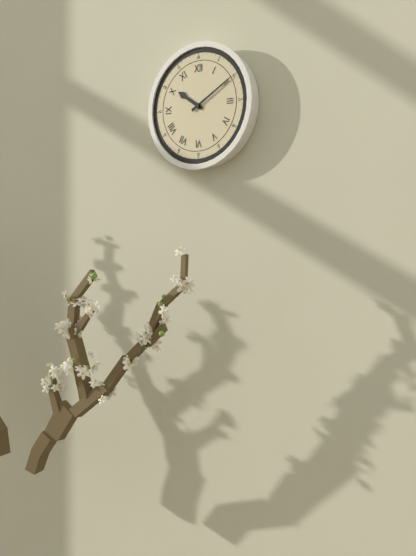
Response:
10h10
